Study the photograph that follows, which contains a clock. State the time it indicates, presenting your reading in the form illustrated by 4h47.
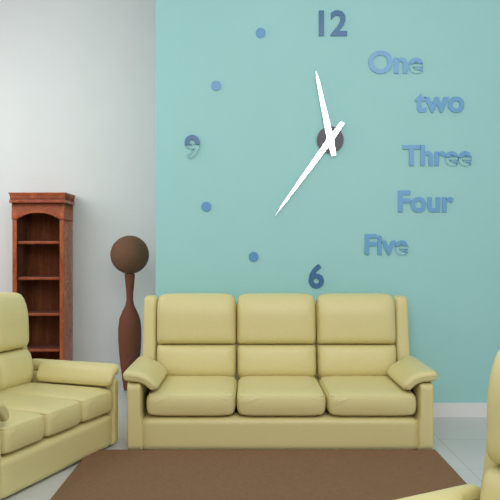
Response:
11h36
